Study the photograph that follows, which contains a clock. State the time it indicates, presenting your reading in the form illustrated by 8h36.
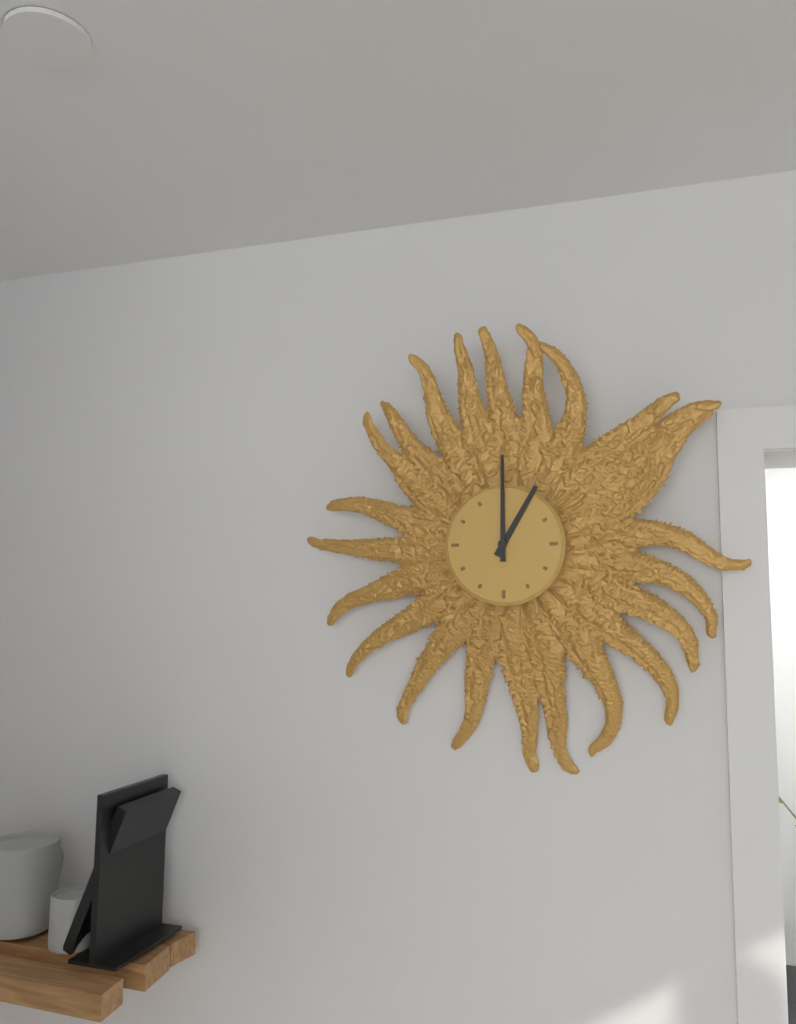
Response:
1h00
